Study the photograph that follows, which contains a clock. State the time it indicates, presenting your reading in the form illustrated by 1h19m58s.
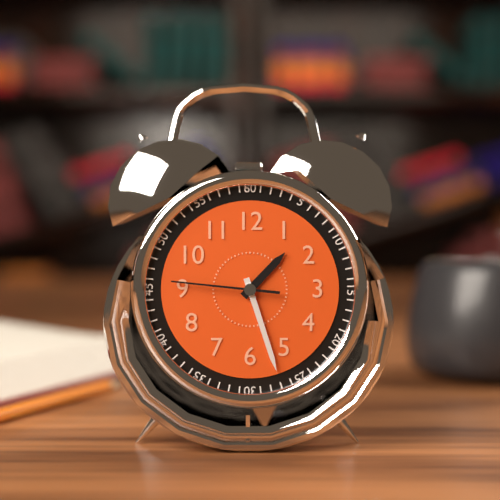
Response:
1h27m46s
